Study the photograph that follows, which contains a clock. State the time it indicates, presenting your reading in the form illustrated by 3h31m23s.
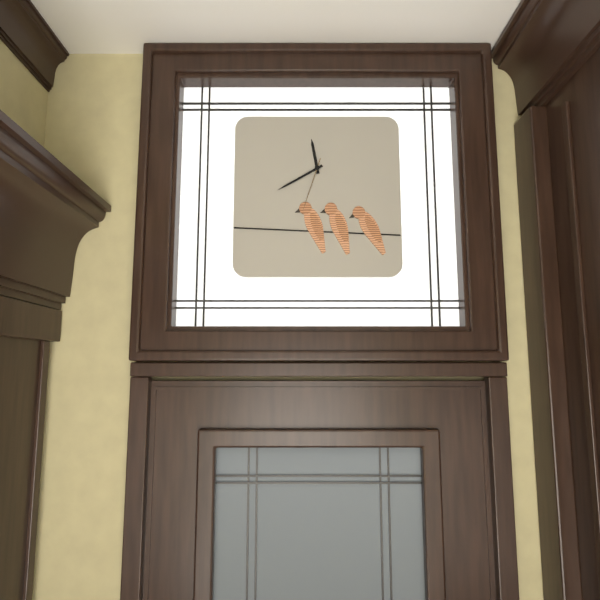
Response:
11h40m33s
